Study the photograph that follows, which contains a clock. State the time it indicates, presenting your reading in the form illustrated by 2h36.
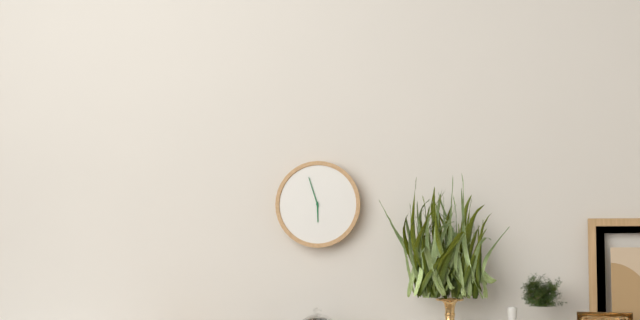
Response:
5h57
